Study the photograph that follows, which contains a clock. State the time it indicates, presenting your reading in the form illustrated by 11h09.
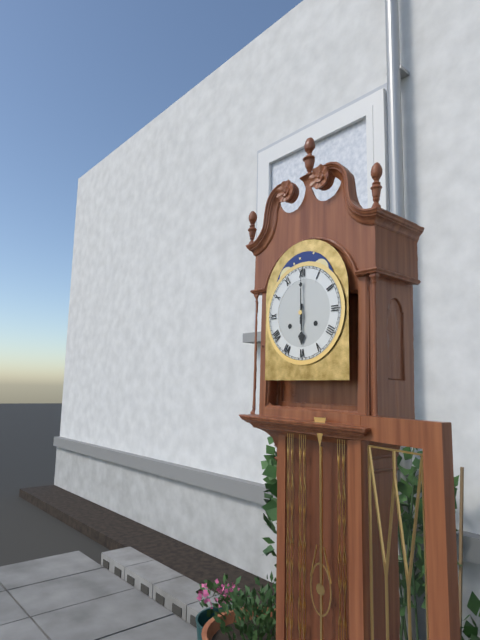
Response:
6h00
